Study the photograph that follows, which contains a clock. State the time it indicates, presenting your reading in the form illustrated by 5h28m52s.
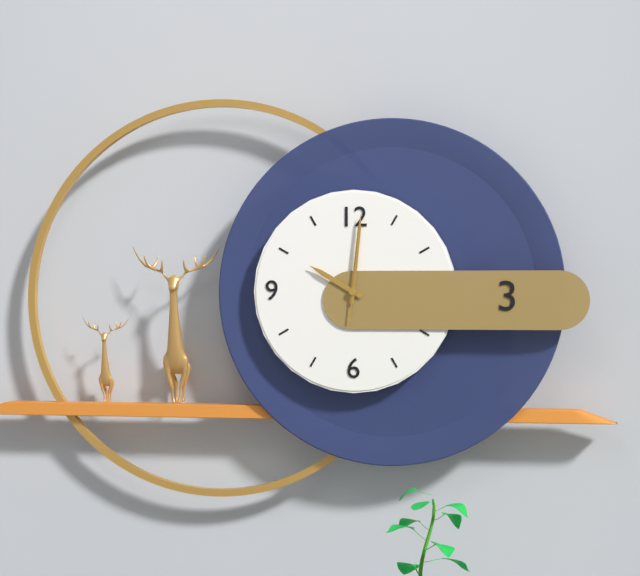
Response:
10h01m01s
